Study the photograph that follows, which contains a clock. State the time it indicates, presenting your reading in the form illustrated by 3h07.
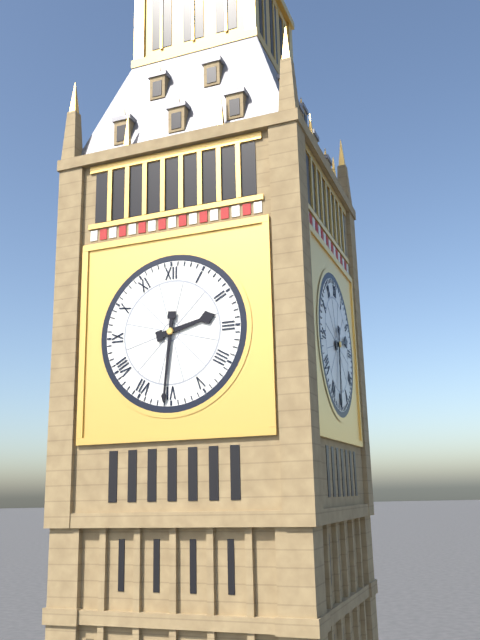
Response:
2h31
